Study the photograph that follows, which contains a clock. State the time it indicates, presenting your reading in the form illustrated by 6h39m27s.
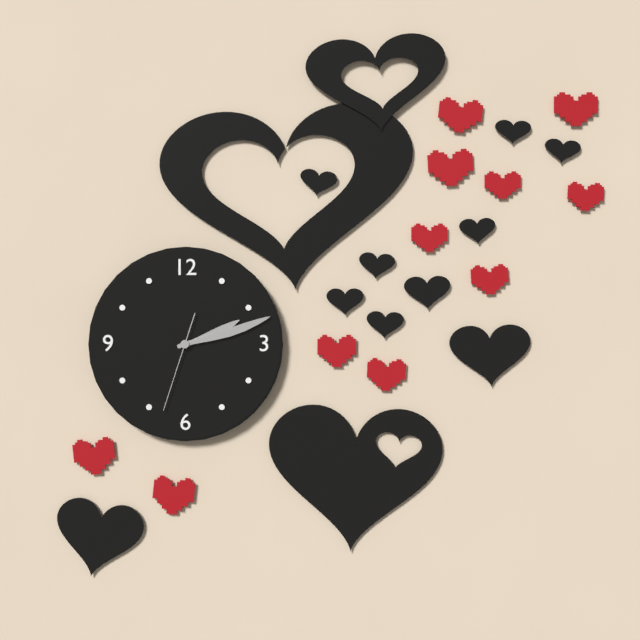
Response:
2h12m33s
